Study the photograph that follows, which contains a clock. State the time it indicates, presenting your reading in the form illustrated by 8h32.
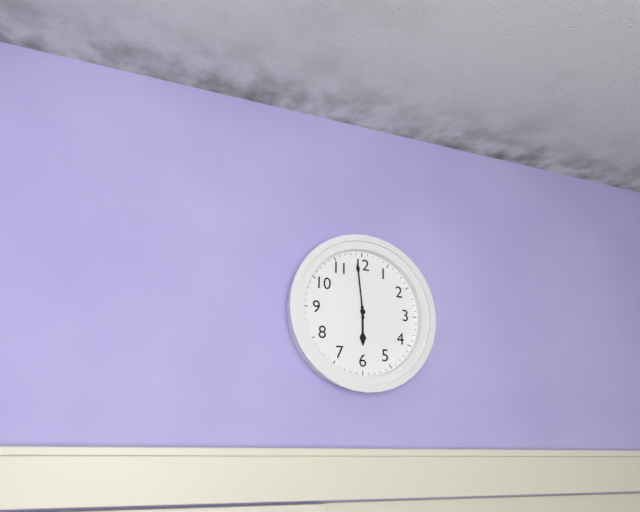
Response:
5h59
